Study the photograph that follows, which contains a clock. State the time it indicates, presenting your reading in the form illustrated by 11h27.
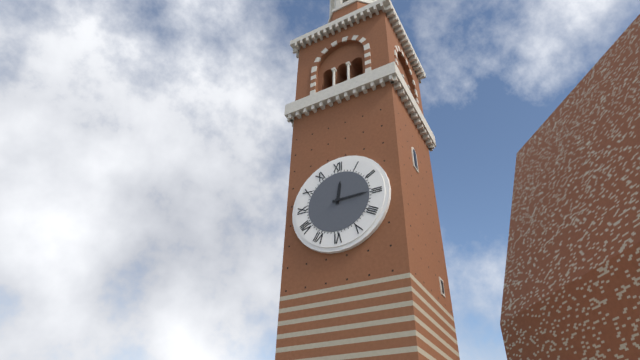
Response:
12h15
